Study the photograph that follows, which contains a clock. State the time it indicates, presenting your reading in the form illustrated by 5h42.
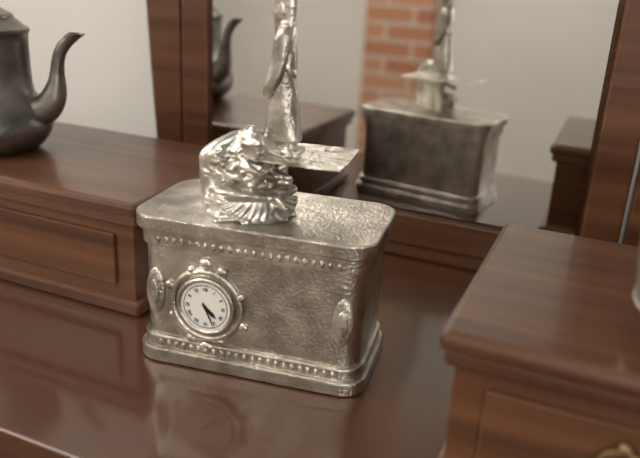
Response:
4h26
